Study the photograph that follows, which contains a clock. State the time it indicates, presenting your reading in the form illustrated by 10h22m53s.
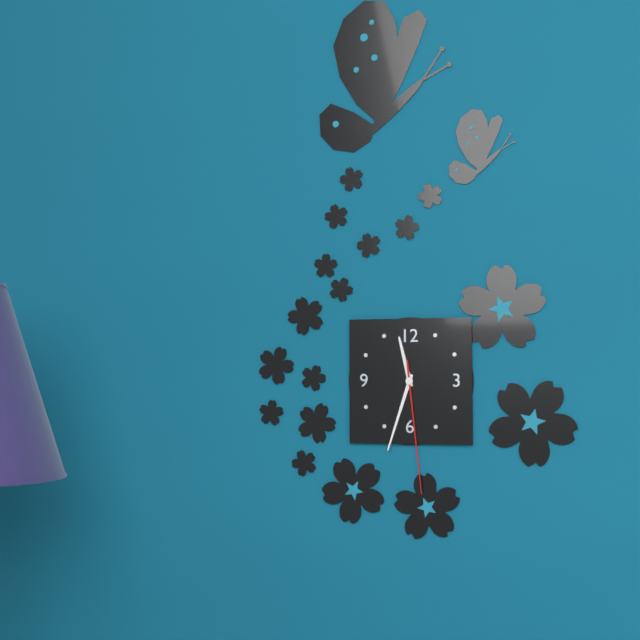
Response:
11h33m29s
